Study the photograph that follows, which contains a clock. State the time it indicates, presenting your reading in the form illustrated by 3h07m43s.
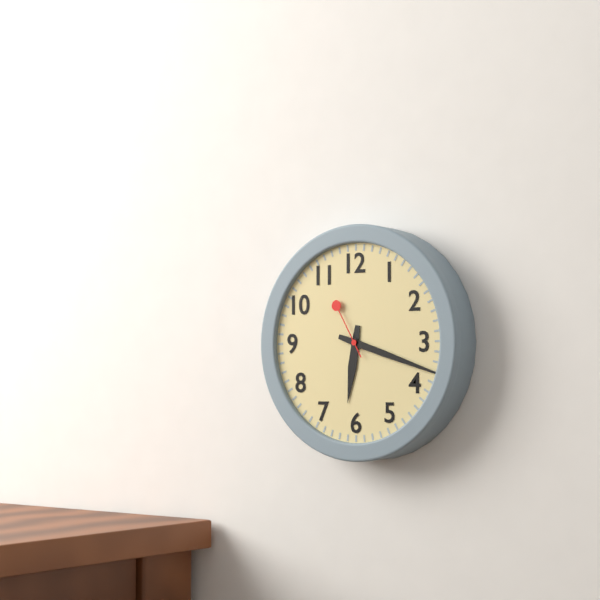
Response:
6h18m55s
